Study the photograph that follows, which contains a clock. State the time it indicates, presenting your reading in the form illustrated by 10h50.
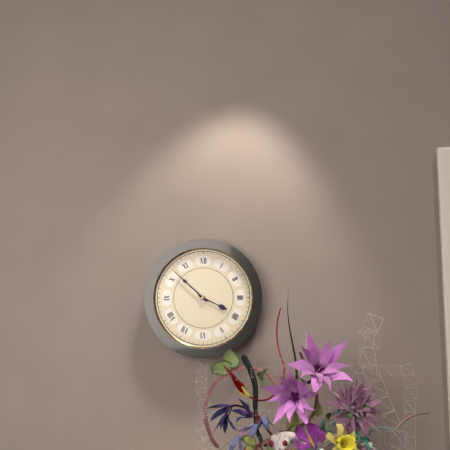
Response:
3h52
